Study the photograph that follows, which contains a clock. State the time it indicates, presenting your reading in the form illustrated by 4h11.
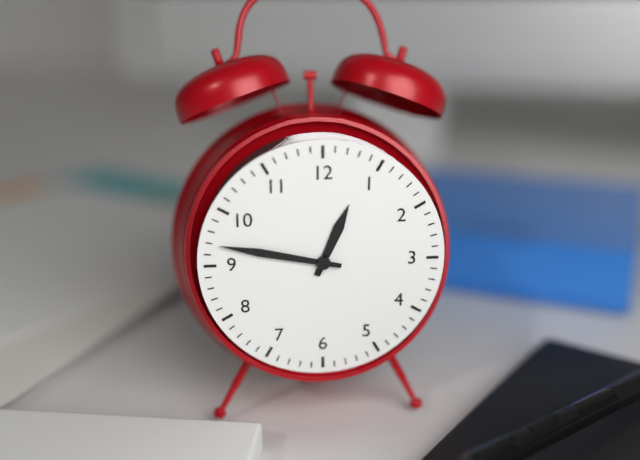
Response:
12h47
